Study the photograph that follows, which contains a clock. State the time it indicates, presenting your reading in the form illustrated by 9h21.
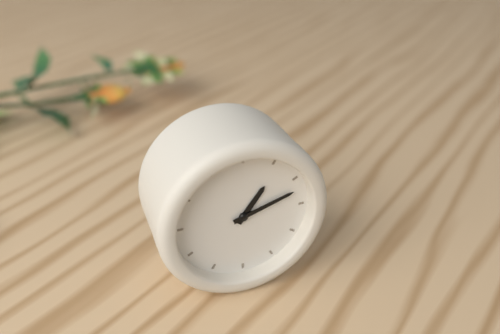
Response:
1h12
